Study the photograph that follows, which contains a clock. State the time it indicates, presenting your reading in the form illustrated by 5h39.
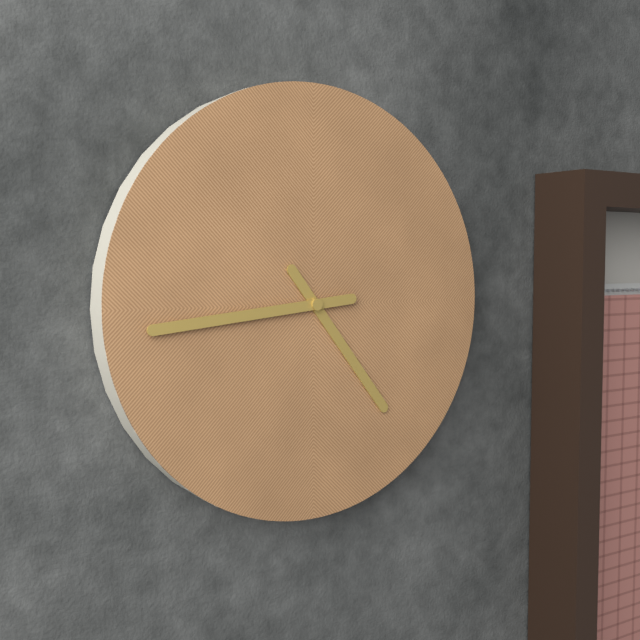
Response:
4h44
